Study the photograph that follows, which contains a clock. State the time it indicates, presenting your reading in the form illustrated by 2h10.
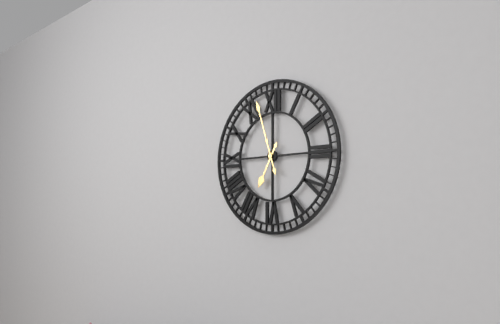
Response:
6h57
